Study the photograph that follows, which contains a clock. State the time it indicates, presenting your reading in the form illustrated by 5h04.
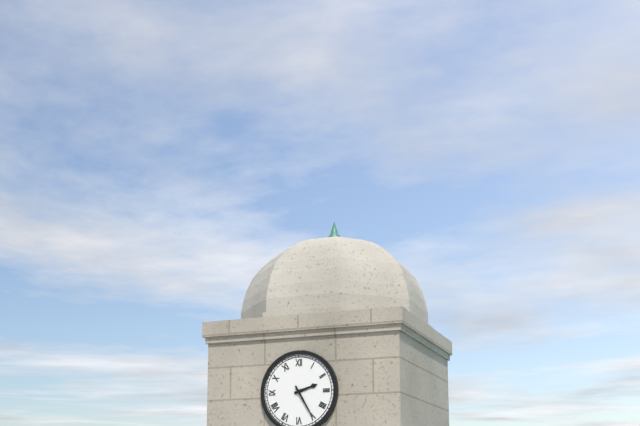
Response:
2h25
